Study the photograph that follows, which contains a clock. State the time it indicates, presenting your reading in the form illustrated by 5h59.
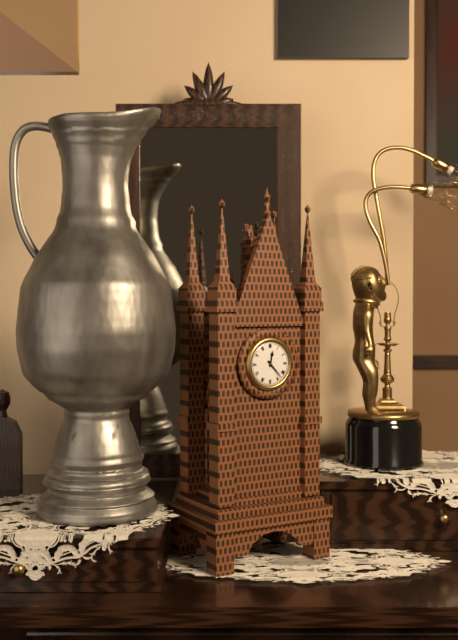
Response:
12h23
